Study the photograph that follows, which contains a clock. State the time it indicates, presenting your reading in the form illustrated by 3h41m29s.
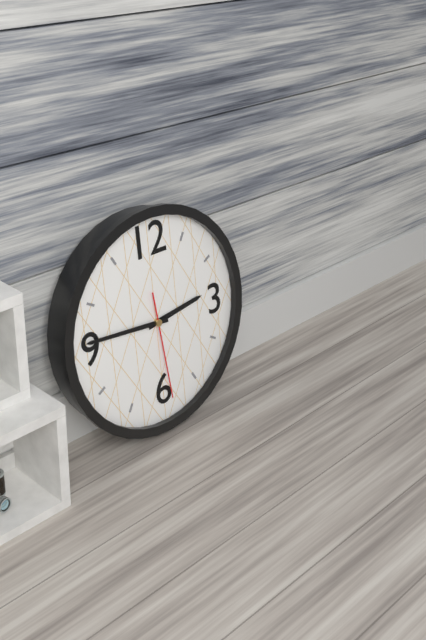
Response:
2h46m29s
